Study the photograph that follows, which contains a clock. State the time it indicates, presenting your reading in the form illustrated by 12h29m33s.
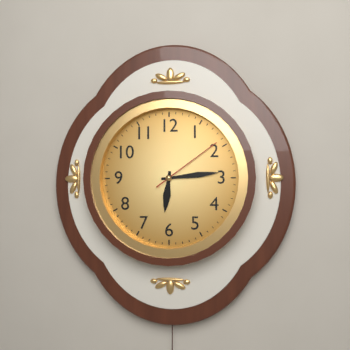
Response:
6h14m09s
